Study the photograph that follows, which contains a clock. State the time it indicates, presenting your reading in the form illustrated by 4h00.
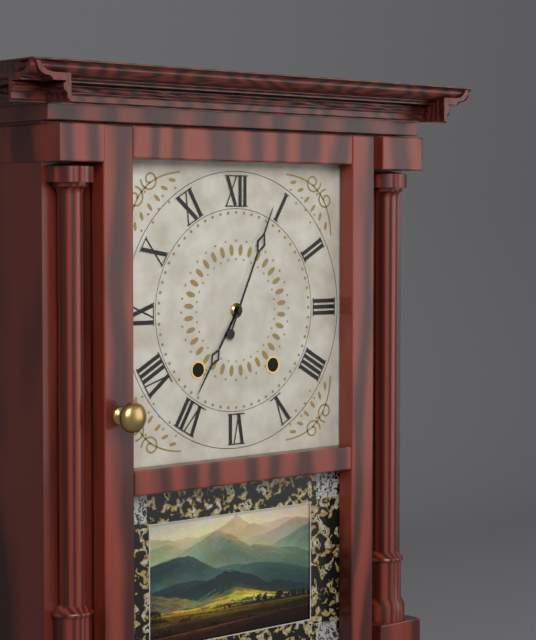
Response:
7h04
